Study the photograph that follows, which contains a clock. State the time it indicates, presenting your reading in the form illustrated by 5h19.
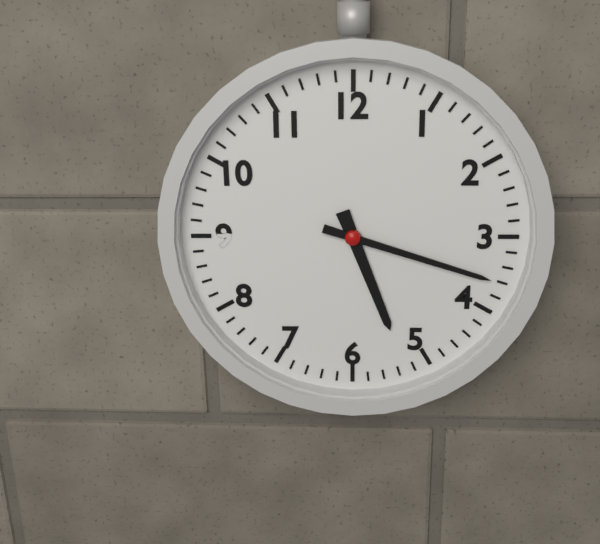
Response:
5h18
